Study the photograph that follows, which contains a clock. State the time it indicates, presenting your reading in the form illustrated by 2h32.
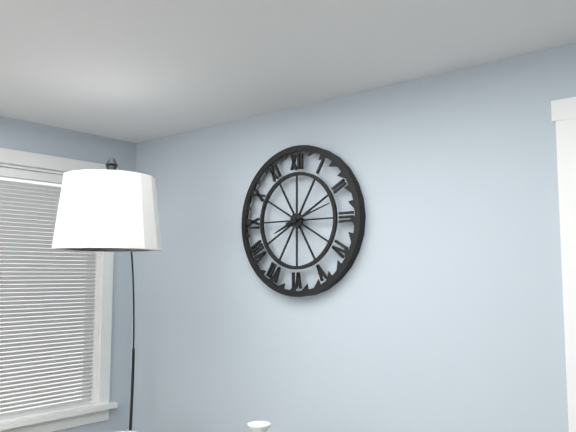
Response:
8h12
